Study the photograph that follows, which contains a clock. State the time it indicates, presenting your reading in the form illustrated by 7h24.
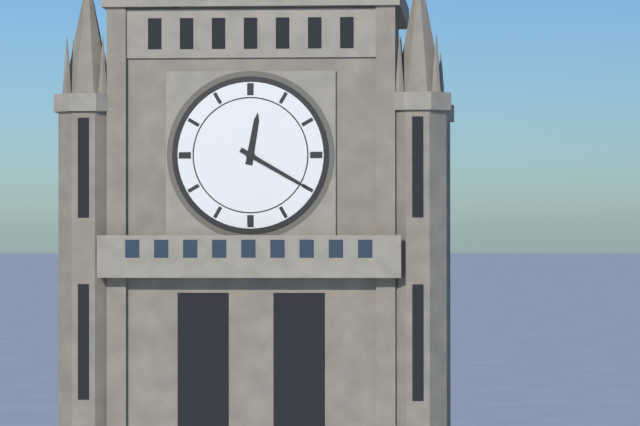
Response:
12h20
